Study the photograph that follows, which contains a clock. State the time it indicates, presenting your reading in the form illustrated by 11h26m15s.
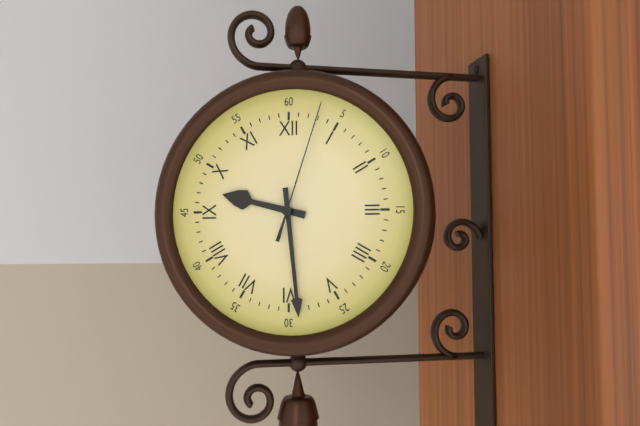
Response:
9h29m03s
